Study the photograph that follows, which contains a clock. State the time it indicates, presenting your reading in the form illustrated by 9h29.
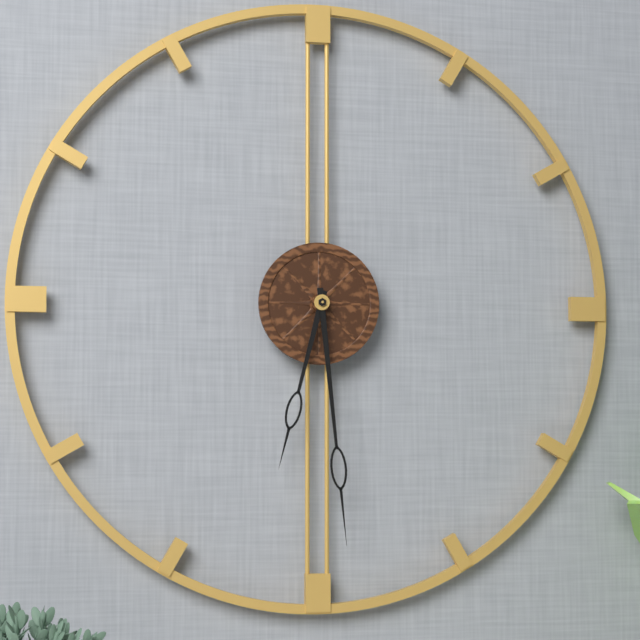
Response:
6h29
